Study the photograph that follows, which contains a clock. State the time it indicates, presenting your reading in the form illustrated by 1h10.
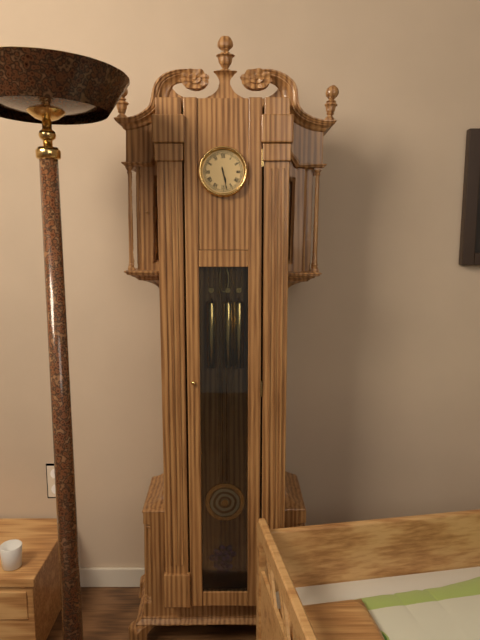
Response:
5h28
